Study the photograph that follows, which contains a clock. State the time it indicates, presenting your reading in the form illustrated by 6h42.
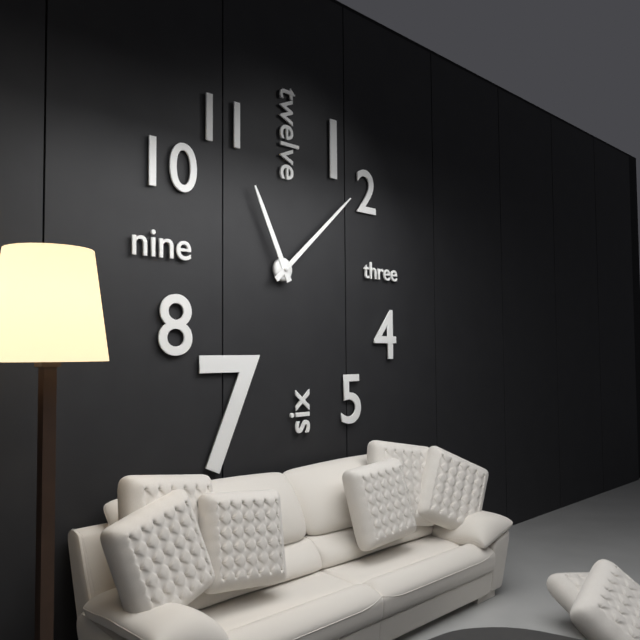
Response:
11h08
